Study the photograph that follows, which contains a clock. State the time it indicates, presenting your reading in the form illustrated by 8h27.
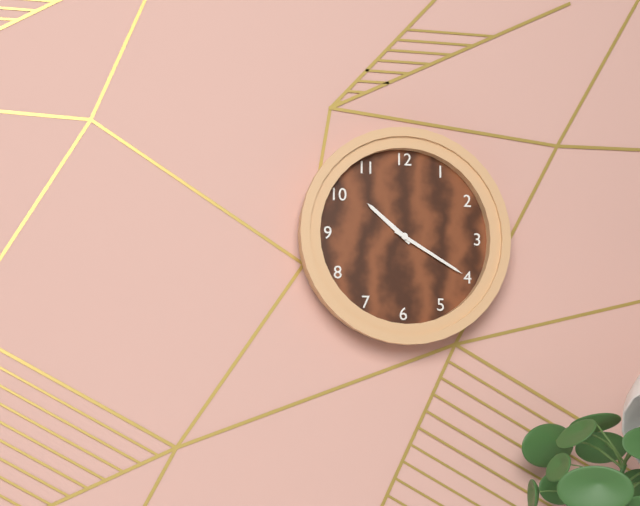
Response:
10h20
